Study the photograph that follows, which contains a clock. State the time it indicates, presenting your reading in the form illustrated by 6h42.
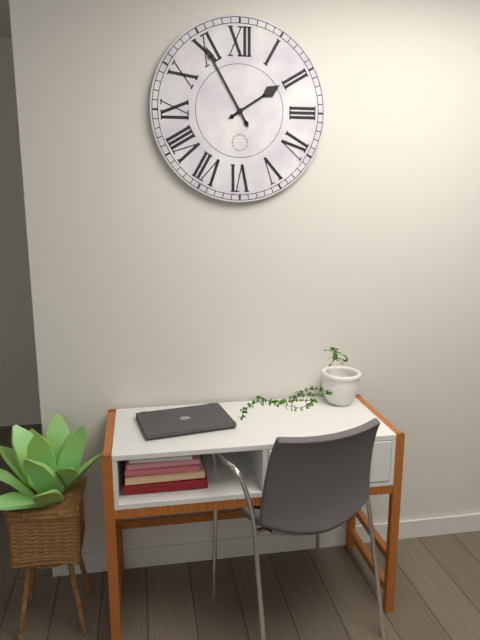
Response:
1h55
